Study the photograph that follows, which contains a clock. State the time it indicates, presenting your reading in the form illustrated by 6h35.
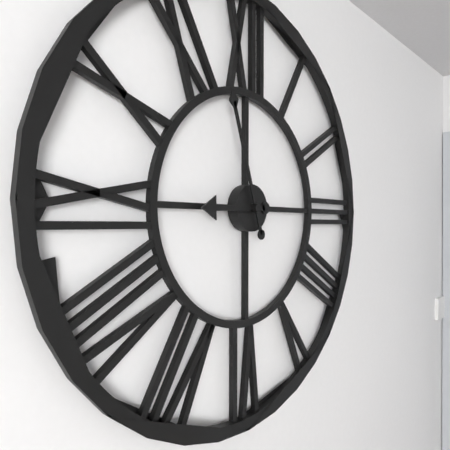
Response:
8h57
